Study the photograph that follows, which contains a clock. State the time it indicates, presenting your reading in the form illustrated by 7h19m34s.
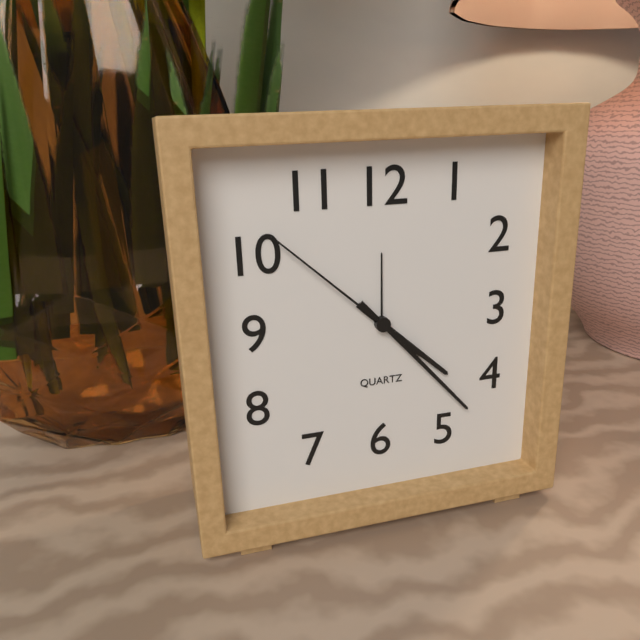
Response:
4h23m52s
